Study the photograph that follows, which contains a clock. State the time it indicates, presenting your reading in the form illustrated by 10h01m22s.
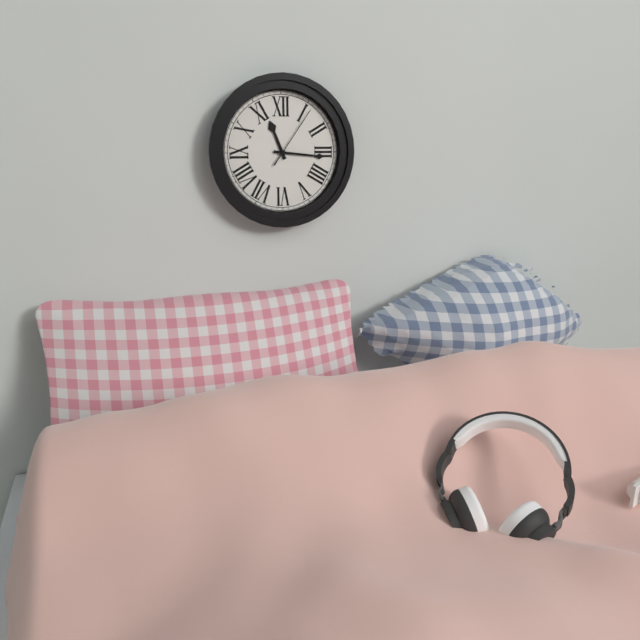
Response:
11h16m06s
